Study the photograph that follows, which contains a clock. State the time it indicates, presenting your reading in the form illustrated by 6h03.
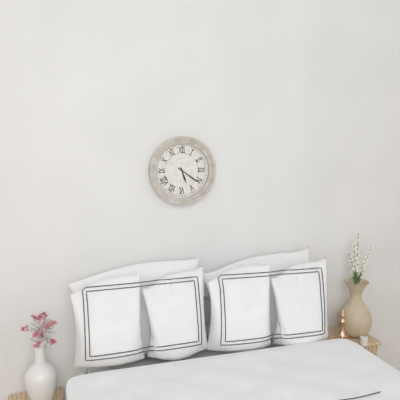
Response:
5h21
